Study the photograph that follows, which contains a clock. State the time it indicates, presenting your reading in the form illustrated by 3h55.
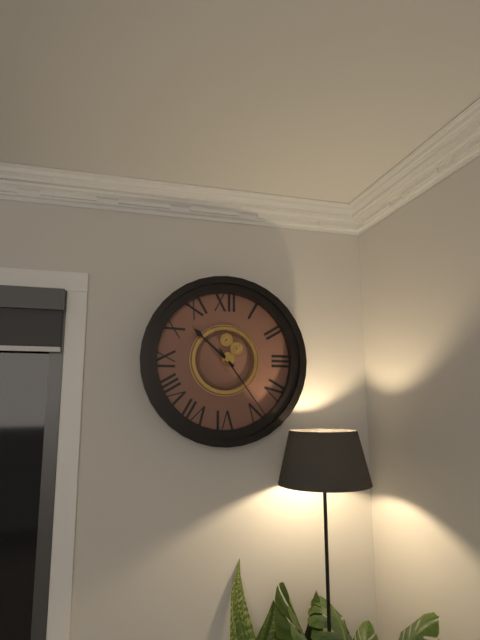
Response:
10h24
